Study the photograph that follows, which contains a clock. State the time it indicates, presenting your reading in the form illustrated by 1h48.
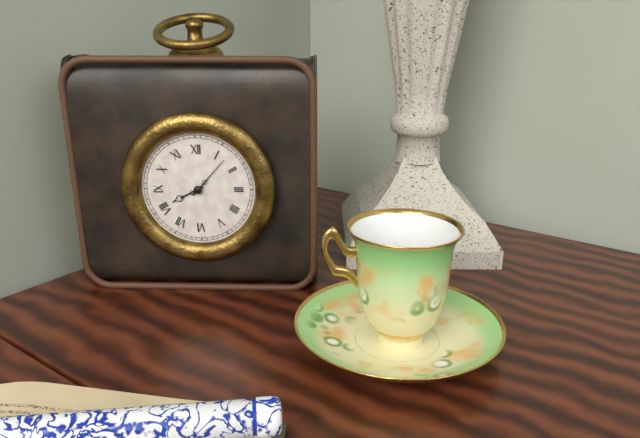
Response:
8h07
